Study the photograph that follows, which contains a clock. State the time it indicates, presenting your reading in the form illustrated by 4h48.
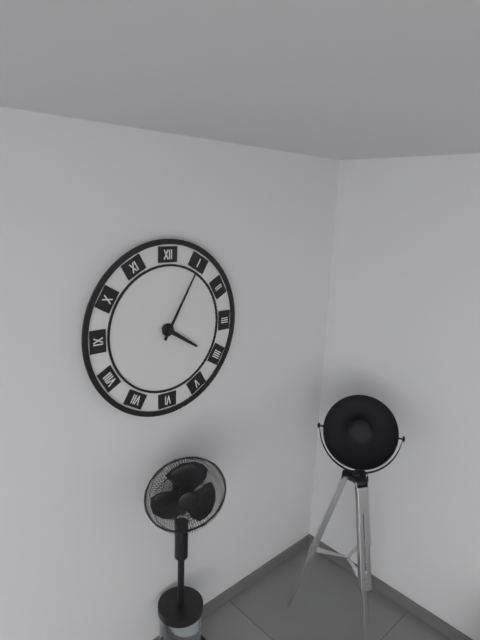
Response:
4h05
